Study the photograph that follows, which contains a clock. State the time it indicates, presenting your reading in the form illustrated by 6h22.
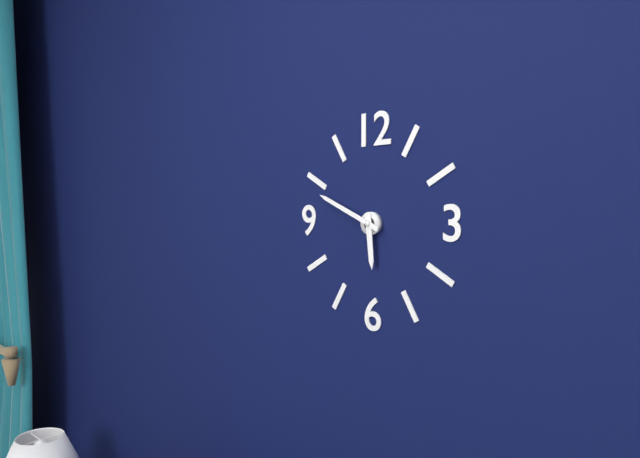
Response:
5h49
